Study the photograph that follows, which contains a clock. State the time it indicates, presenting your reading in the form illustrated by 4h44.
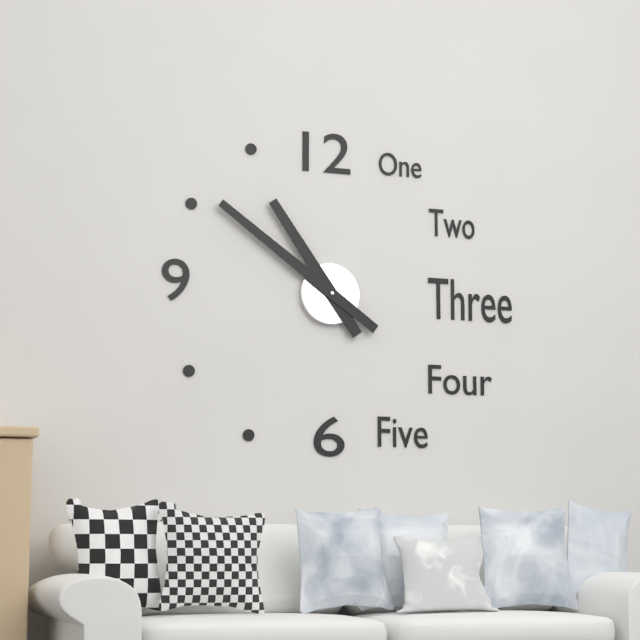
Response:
10h51
